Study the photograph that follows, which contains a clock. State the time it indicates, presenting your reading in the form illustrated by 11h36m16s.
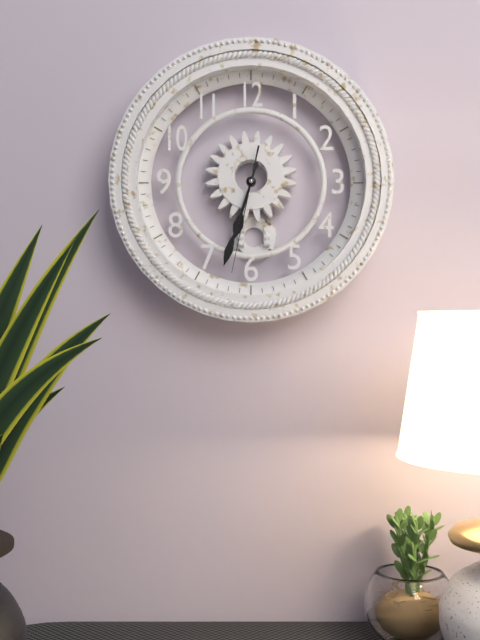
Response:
6h33m32s
